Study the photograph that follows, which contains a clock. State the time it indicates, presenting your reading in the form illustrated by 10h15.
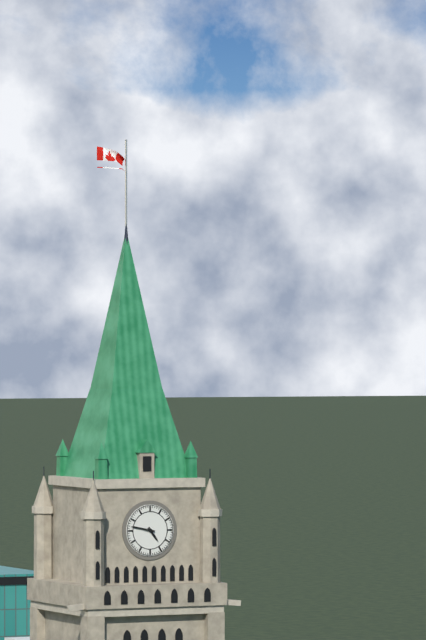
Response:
4h47
